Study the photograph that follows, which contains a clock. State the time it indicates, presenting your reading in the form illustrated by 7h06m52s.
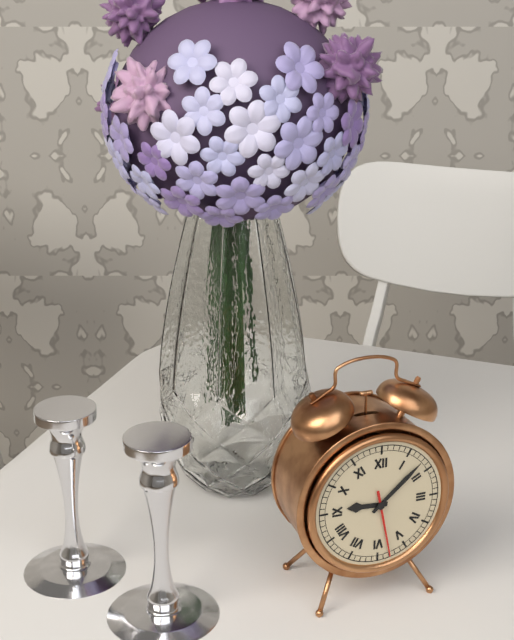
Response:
9h08m28s
